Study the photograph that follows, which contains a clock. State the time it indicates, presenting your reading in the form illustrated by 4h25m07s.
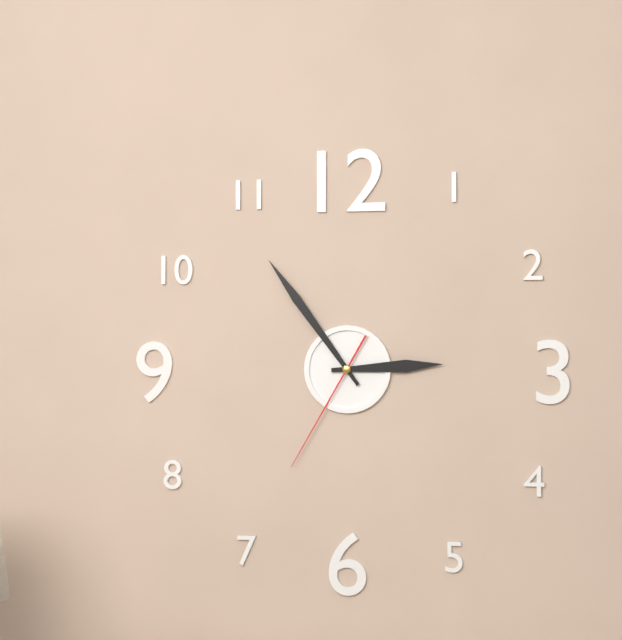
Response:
2h54m35s
